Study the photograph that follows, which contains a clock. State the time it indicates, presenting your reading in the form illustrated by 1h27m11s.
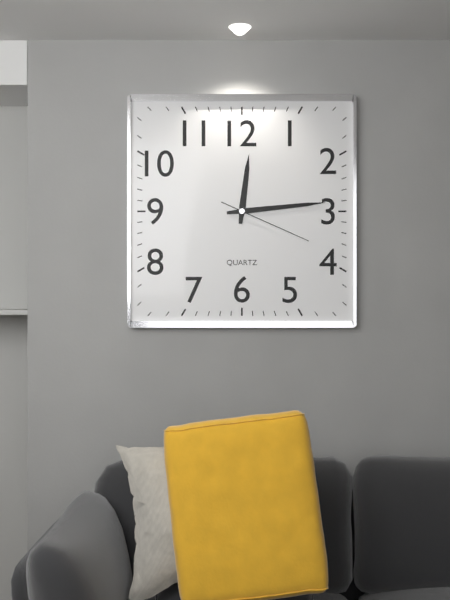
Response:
12h14m19s
